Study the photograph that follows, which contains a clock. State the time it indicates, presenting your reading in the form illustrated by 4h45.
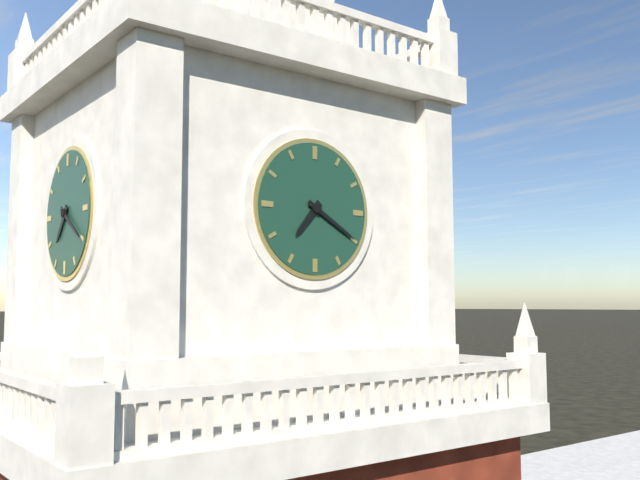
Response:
7h20
